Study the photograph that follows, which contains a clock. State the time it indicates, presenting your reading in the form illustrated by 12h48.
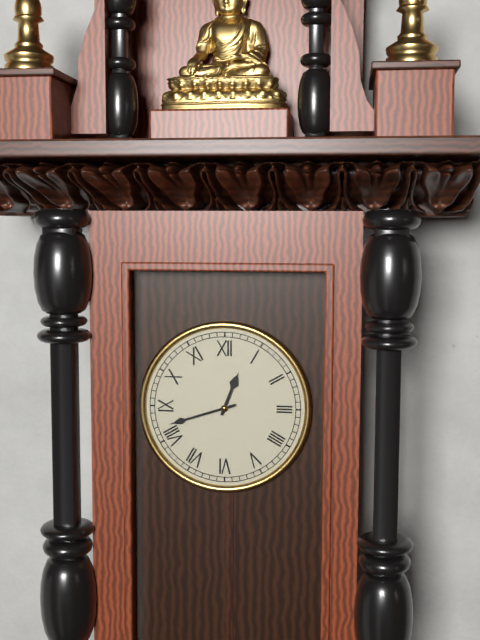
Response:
12h42
